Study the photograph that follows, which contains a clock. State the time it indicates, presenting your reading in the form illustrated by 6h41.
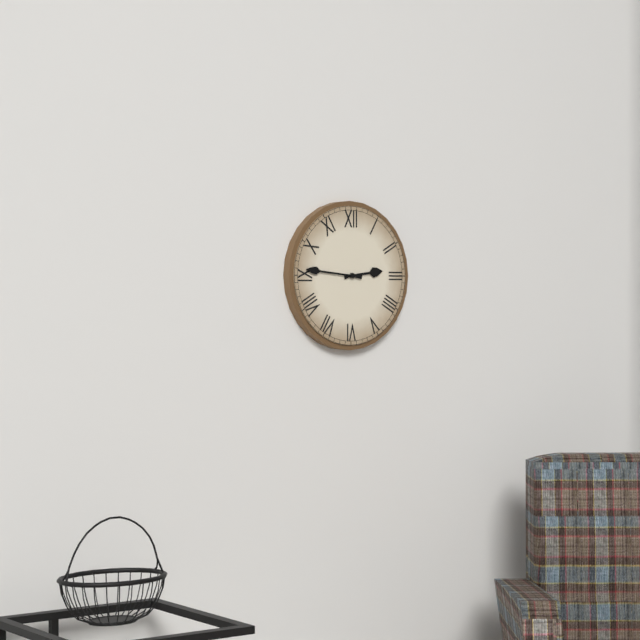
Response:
2h46
